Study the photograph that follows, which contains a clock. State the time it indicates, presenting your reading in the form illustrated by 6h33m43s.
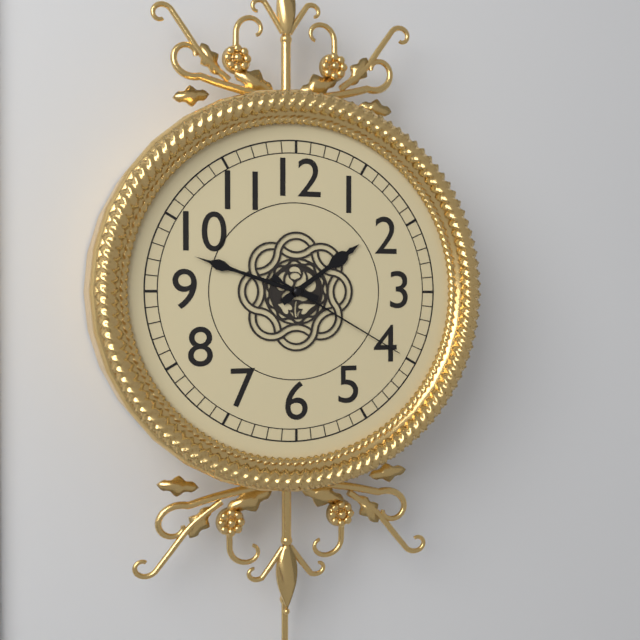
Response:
1h48m20s
